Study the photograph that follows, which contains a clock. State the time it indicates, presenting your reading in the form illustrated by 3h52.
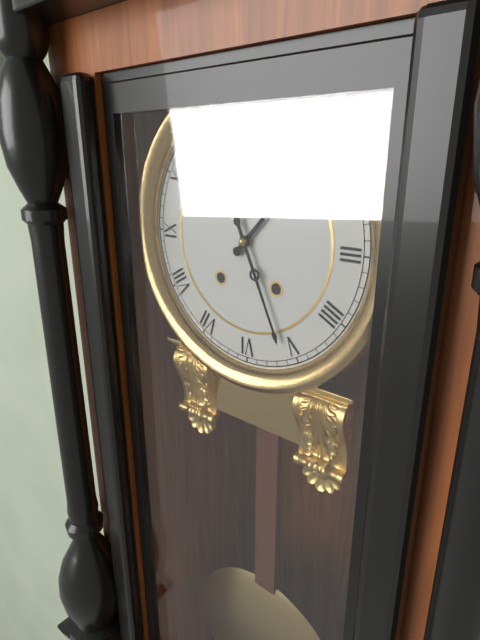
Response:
1h26
